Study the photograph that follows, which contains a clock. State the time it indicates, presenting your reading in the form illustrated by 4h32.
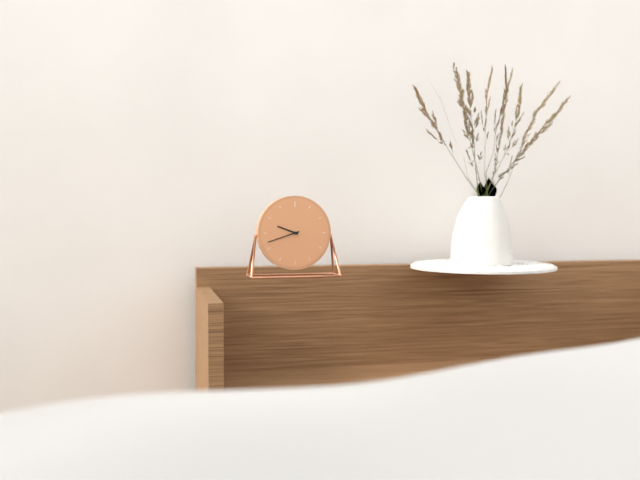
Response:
9h42
